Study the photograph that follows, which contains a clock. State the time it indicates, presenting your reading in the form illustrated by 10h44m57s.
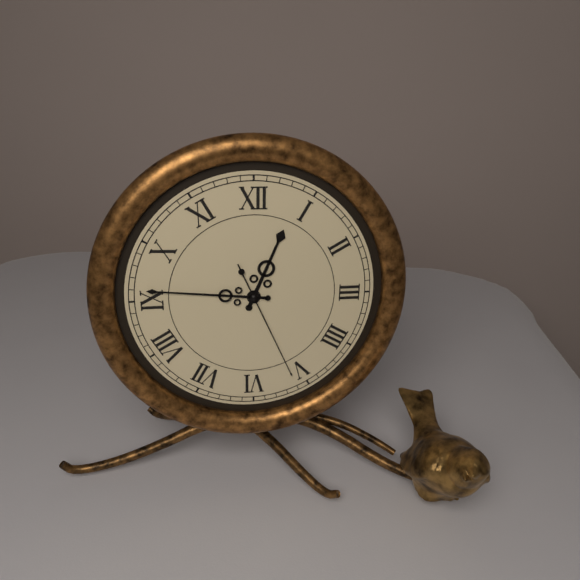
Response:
12h46m26s
